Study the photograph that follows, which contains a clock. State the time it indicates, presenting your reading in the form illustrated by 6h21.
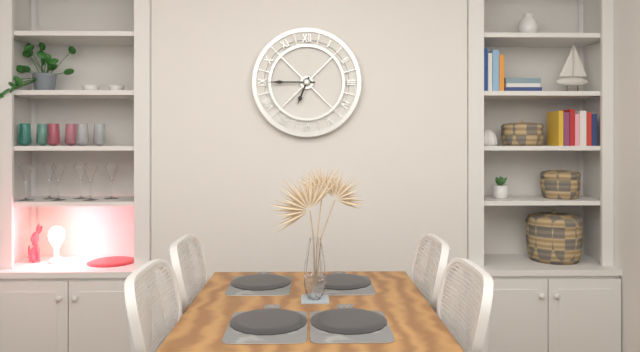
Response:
6h45
